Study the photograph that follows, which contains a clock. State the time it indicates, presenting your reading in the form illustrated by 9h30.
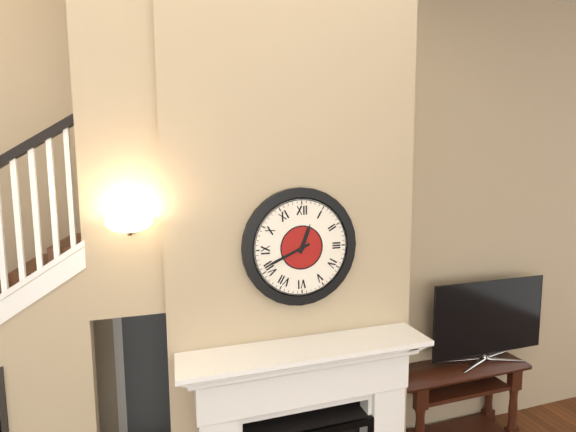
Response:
12h41
